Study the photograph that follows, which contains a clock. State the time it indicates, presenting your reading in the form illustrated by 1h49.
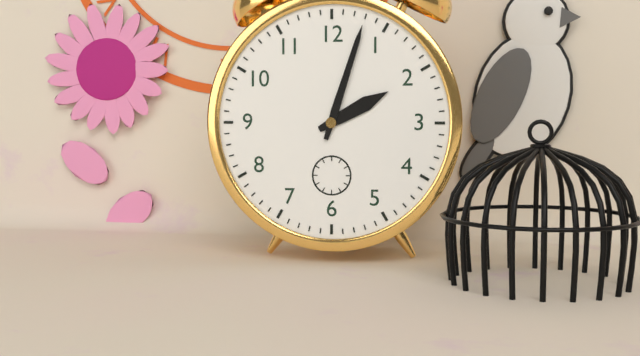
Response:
2h03
